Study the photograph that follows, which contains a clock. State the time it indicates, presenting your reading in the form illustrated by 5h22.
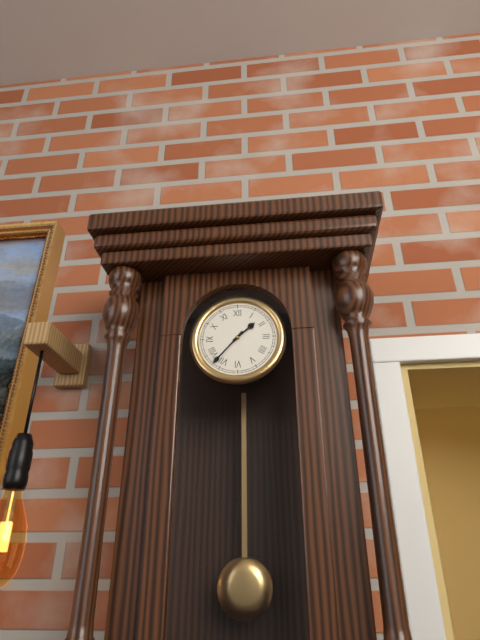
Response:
1h37
